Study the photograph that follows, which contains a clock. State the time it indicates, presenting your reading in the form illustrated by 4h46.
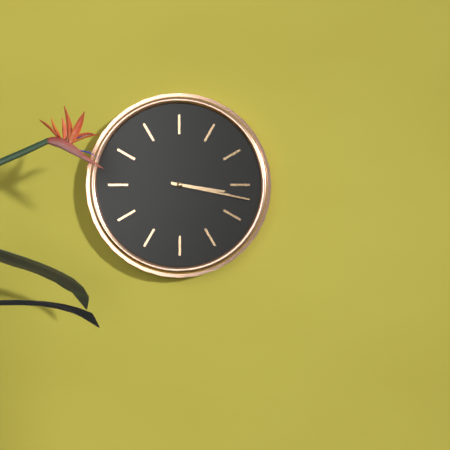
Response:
3h17
